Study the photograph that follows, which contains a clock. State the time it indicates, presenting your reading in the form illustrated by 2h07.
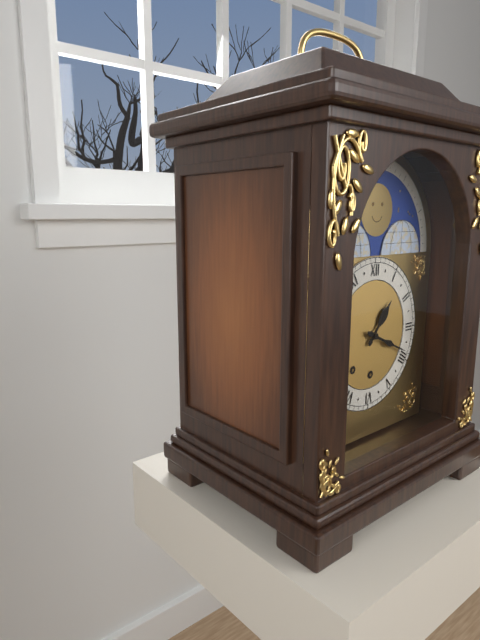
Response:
1h19
